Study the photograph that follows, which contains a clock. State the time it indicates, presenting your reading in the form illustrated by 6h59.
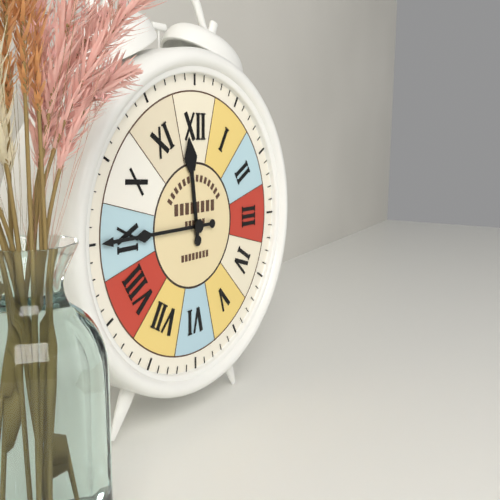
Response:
11h45
